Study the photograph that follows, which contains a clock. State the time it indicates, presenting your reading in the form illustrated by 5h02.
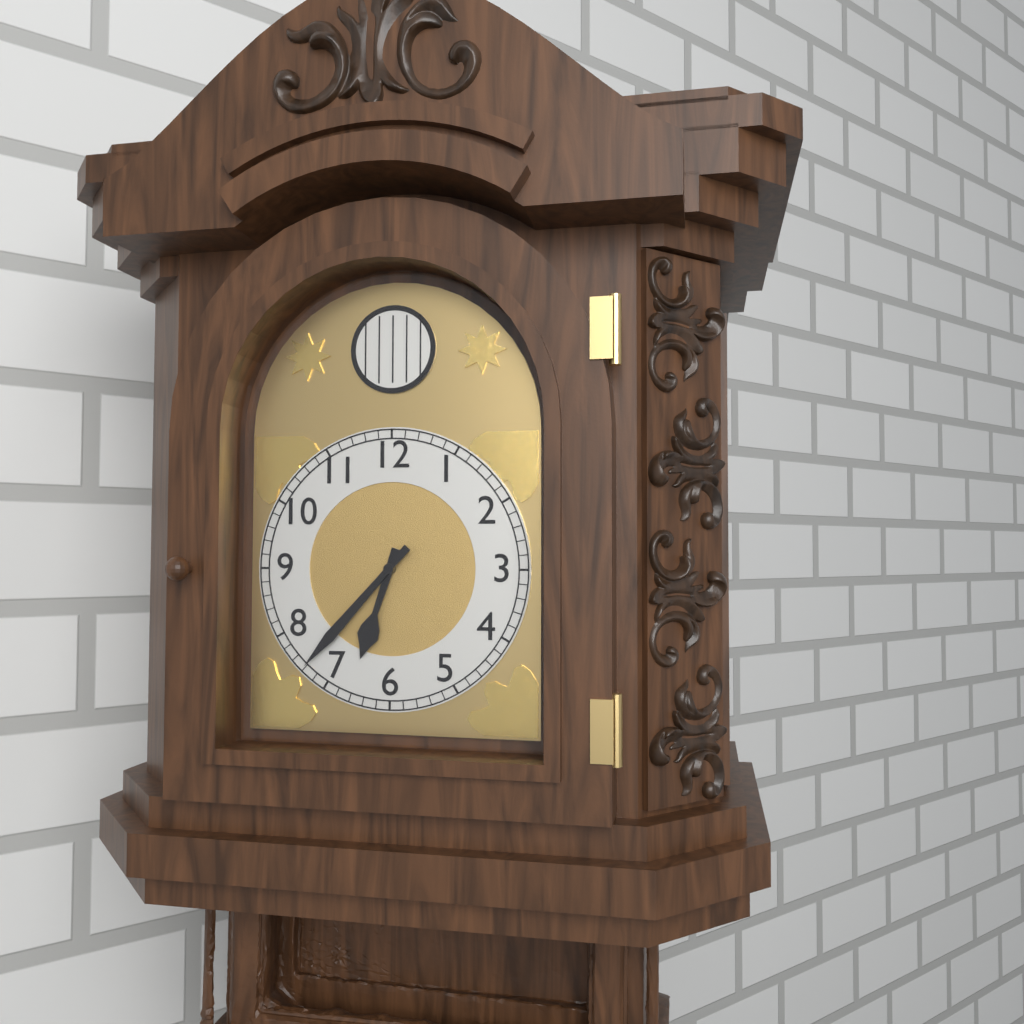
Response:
6h37
